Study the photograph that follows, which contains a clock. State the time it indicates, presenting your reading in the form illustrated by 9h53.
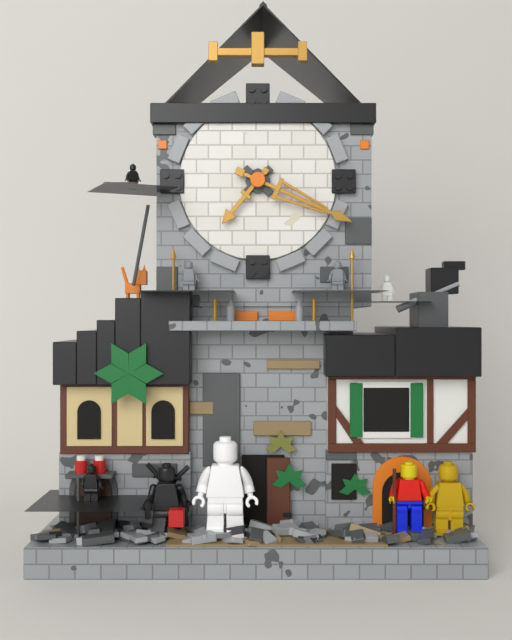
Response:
7h19
